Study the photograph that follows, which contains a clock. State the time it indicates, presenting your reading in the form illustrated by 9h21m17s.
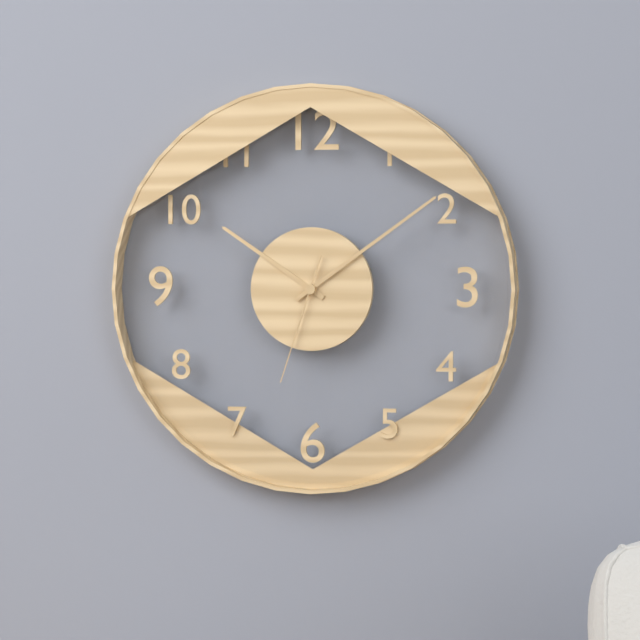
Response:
10h09m33s
